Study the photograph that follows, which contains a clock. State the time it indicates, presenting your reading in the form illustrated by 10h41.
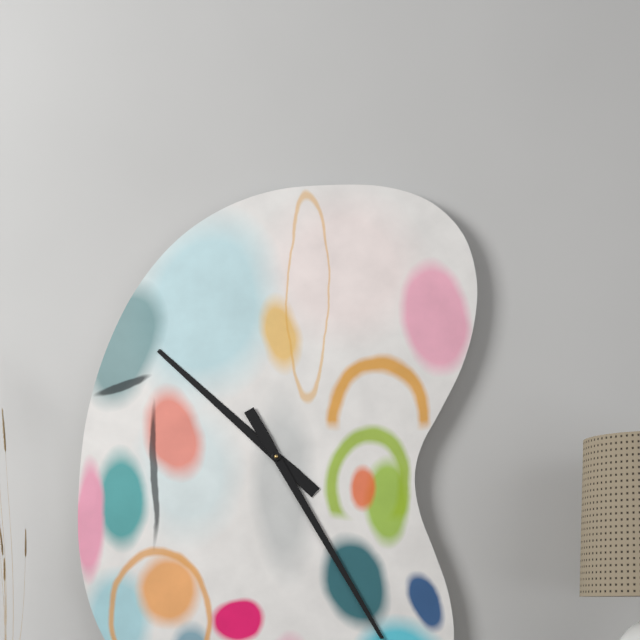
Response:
10h25
